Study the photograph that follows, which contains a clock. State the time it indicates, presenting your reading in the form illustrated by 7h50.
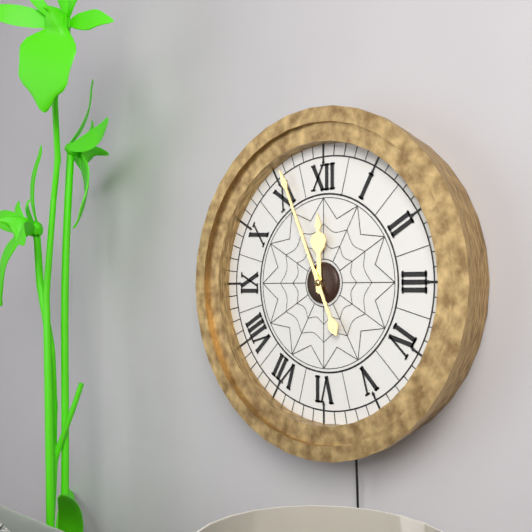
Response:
11h56
